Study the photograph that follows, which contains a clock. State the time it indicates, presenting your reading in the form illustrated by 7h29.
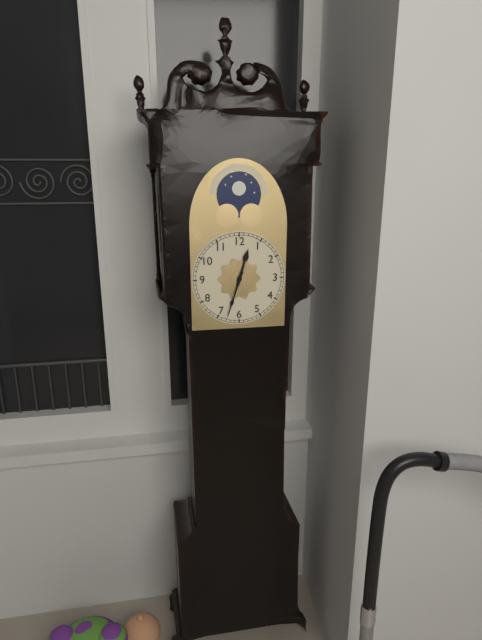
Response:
12h33
